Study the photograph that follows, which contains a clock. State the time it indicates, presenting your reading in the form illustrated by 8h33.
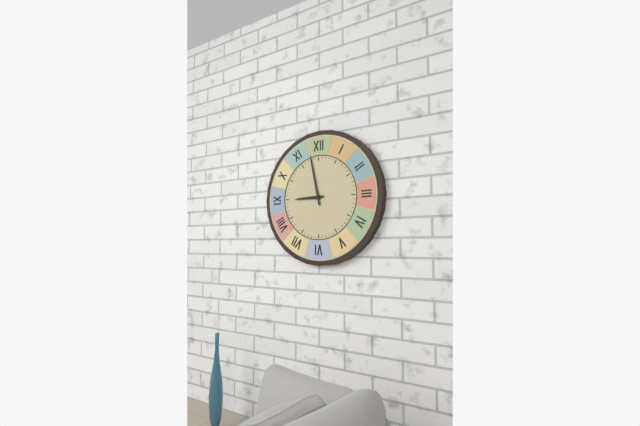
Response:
8h58
